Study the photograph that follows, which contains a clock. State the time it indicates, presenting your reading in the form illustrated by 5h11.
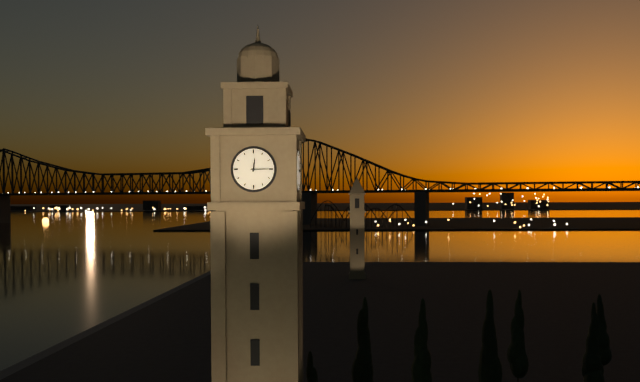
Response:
12h15
